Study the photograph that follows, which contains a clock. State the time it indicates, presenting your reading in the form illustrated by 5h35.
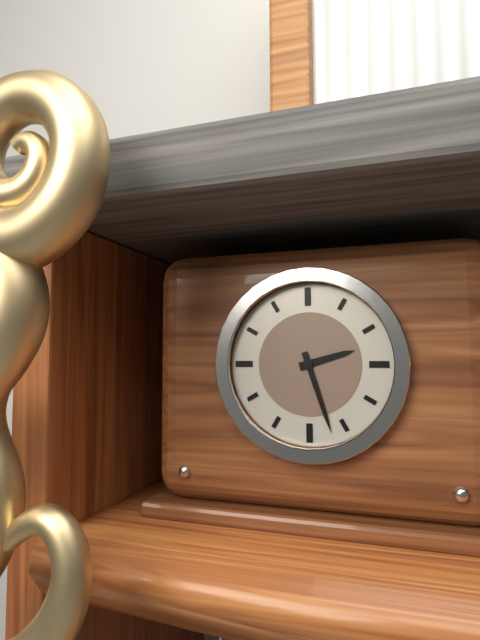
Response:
2h27
